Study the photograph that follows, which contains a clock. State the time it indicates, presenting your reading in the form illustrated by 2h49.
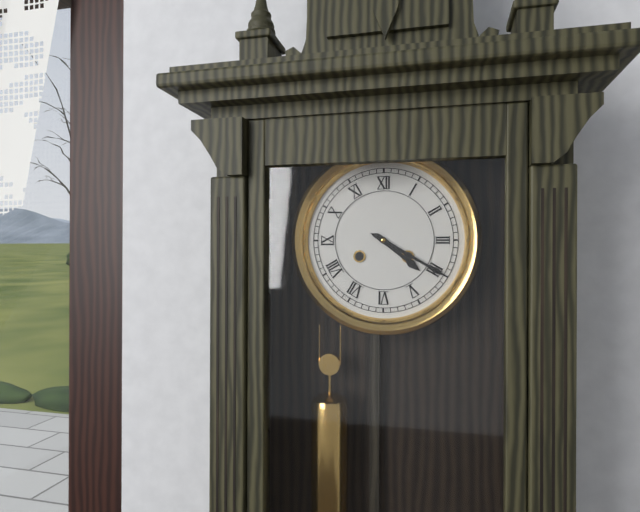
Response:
4h20
